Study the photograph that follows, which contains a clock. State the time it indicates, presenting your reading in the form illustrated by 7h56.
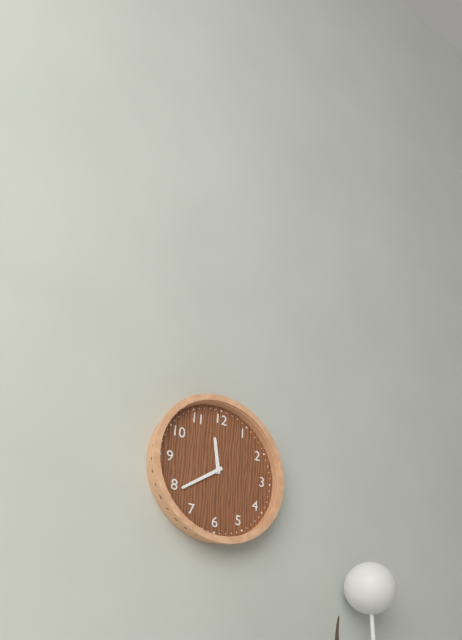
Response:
11h39
